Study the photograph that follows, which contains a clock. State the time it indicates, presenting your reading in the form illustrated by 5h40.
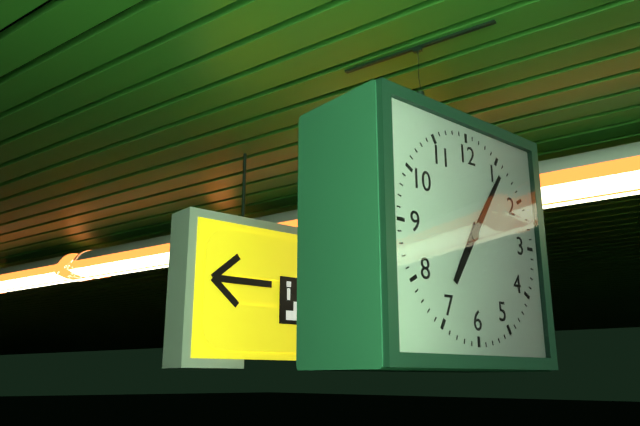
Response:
7h06
